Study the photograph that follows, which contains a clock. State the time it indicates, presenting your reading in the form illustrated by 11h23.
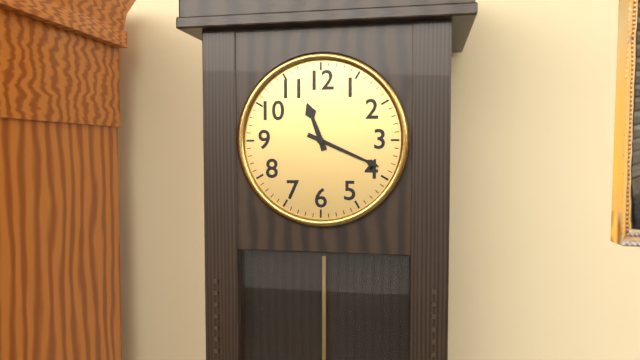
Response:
11h19
